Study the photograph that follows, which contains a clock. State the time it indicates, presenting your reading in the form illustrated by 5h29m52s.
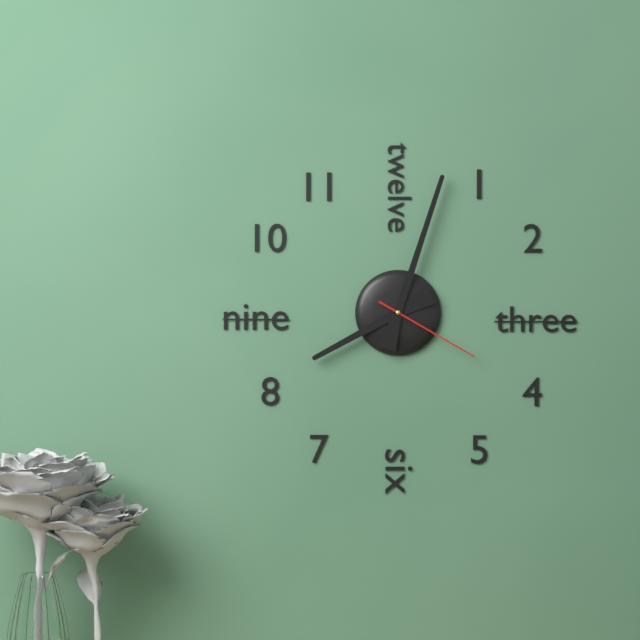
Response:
8h03m20s
